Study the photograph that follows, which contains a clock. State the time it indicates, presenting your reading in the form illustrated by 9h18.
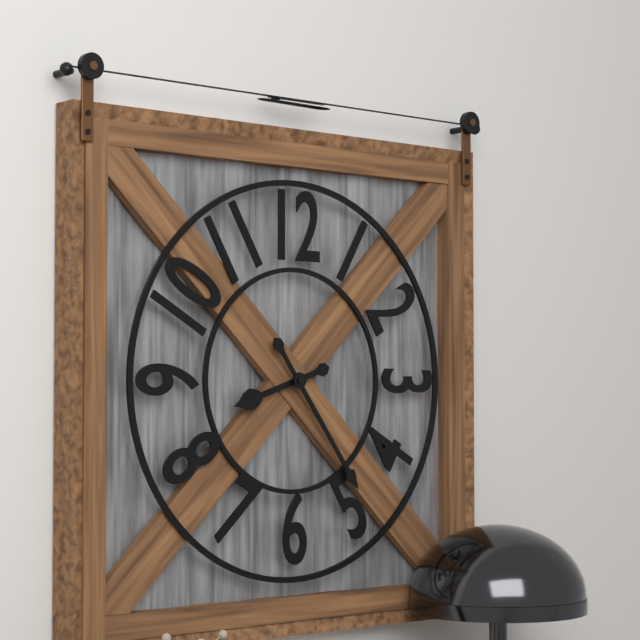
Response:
8h24
